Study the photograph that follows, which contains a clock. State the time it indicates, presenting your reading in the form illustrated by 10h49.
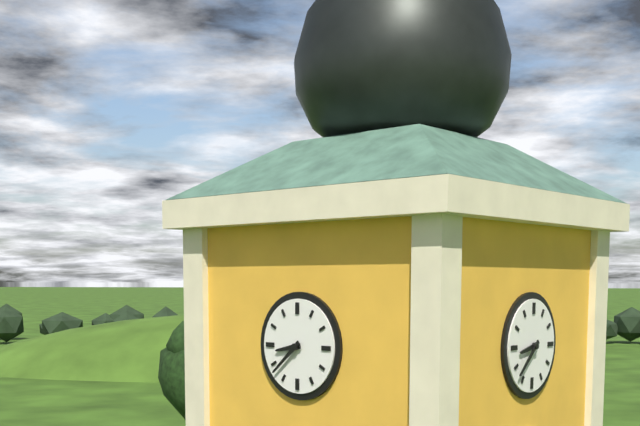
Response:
8h38
